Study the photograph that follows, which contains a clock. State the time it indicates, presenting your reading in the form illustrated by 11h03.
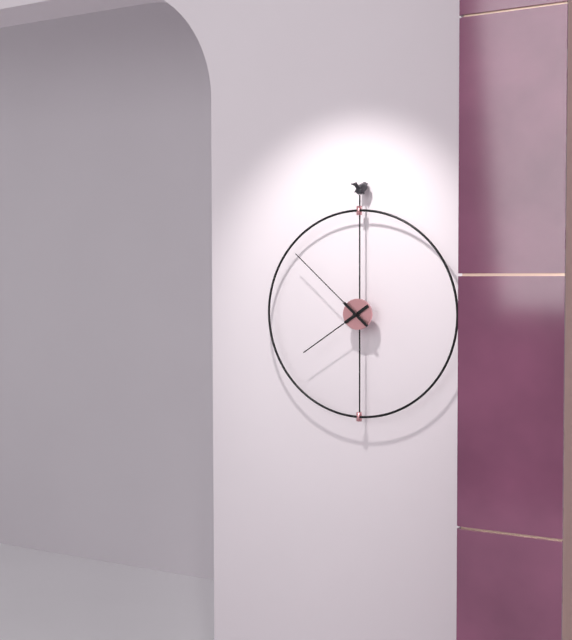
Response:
7h52
